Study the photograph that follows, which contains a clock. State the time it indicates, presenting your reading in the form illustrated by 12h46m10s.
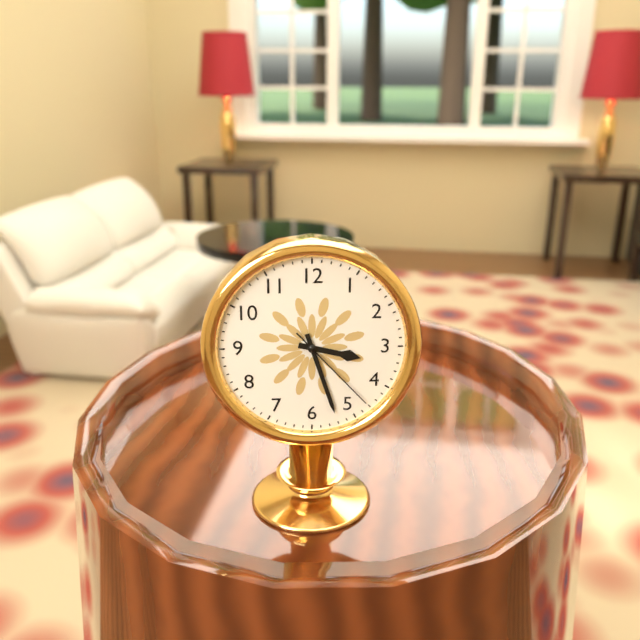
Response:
3h27m23s
